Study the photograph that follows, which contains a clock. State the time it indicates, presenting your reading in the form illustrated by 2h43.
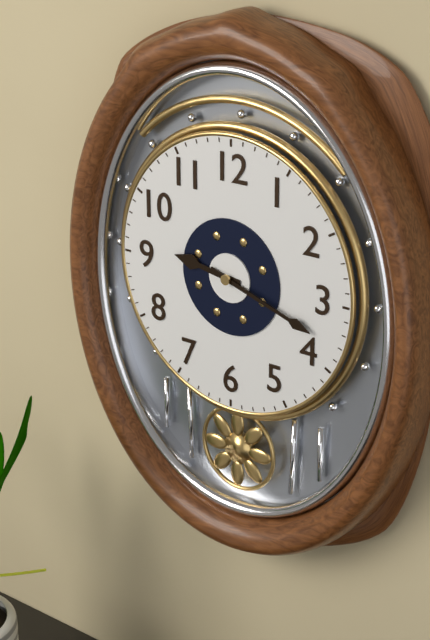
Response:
9h18
